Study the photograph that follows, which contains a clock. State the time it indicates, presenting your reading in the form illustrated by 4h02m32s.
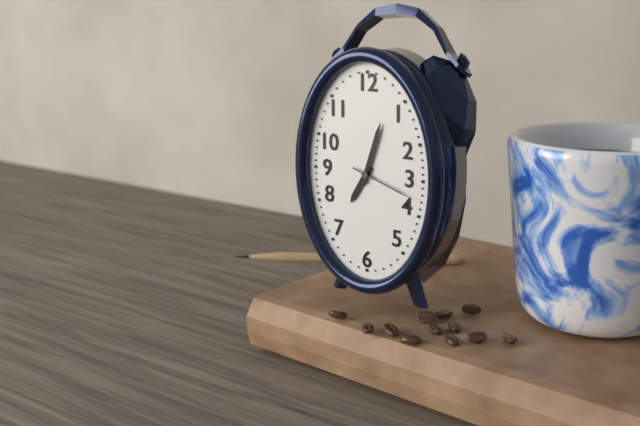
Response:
7h03m18s
